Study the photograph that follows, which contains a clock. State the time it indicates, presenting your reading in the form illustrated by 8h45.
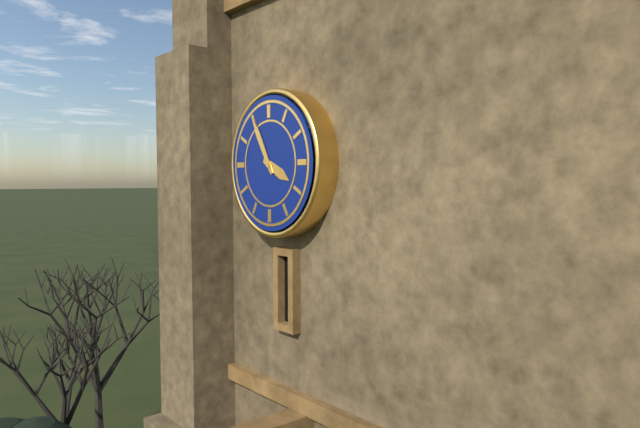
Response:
3h55
